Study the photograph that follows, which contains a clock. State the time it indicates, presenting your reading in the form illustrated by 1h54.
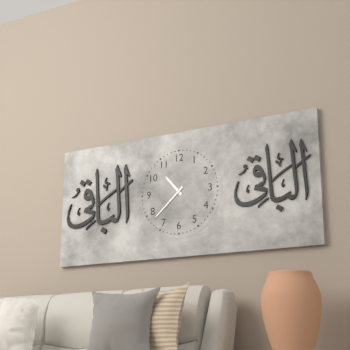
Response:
10h38
